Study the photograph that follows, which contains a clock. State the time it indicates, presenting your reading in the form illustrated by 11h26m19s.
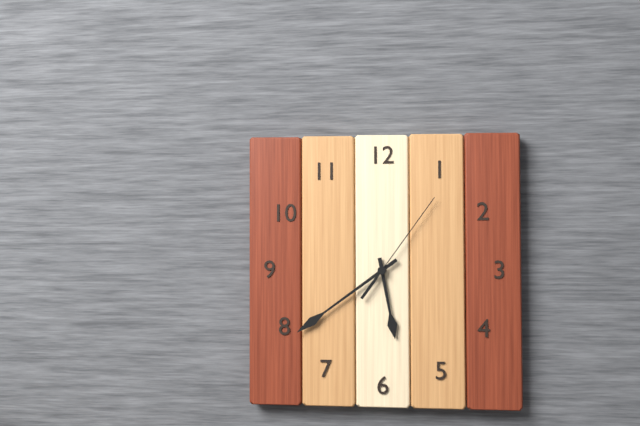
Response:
5h39m06s
